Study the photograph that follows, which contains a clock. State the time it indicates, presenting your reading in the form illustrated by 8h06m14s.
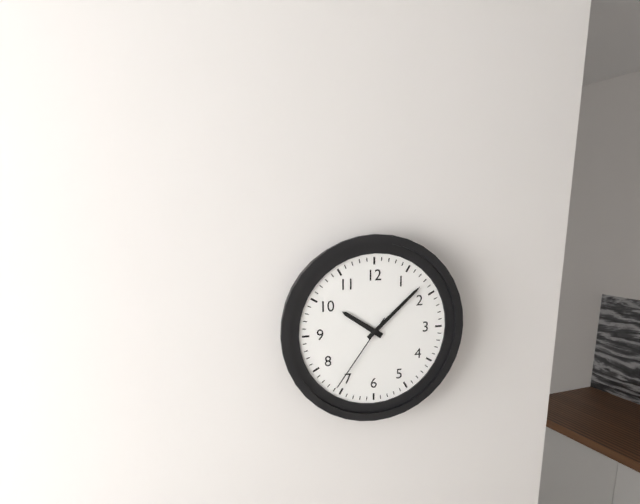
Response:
10h08m36s
